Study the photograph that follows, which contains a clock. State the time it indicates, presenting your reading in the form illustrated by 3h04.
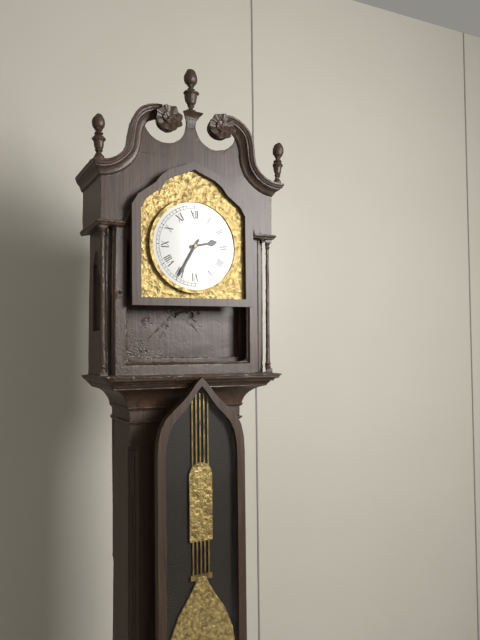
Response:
2h35
